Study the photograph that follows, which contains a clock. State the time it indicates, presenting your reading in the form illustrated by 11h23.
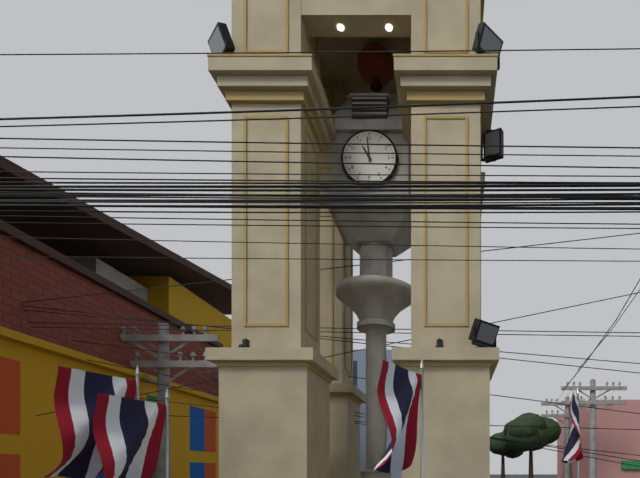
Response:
10h59
